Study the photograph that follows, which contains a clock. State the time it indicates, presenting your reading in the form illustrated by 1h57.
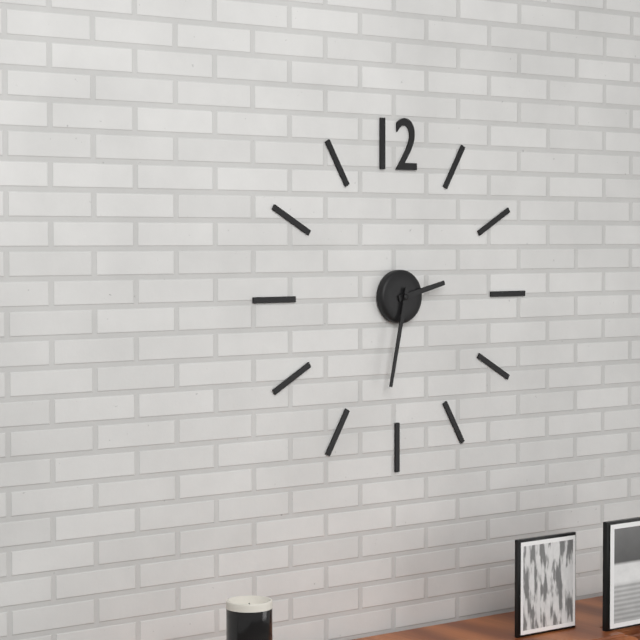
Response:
2h32
